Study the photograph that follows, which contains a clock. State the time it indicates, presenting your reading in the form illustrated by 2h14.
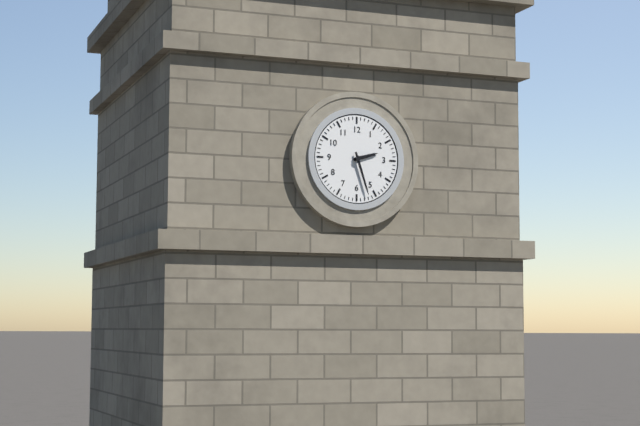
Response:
2h27
